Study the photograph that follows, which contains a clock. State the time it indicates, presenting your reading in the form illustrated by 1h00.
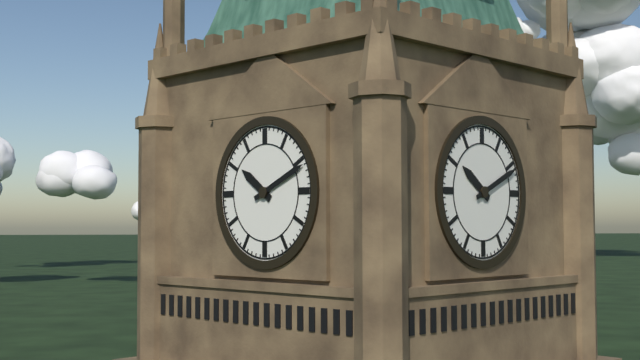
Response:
10h11
